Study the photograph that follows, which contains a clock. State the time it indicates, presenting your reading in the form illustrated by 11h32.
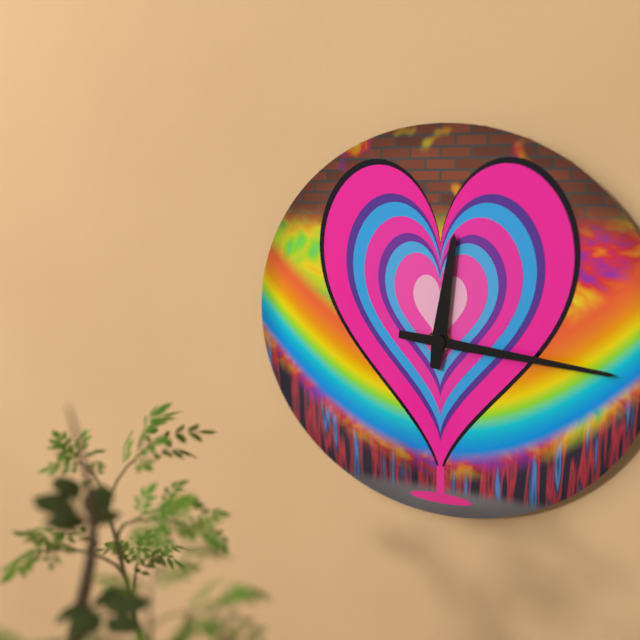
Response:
12h16
